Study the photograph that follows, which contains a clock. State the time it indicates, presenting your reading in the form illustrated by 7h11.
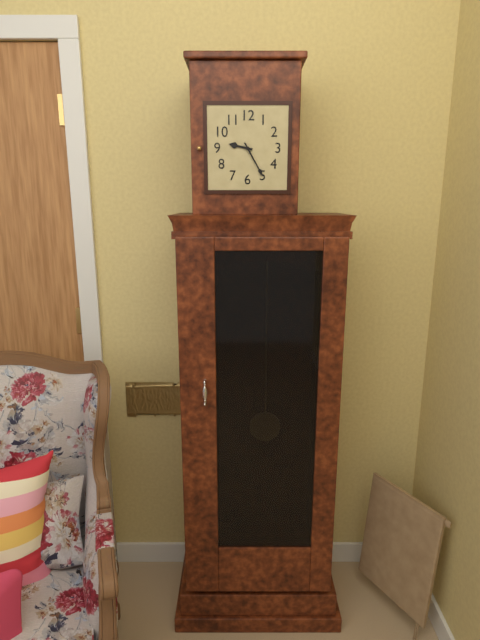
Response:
9h25
